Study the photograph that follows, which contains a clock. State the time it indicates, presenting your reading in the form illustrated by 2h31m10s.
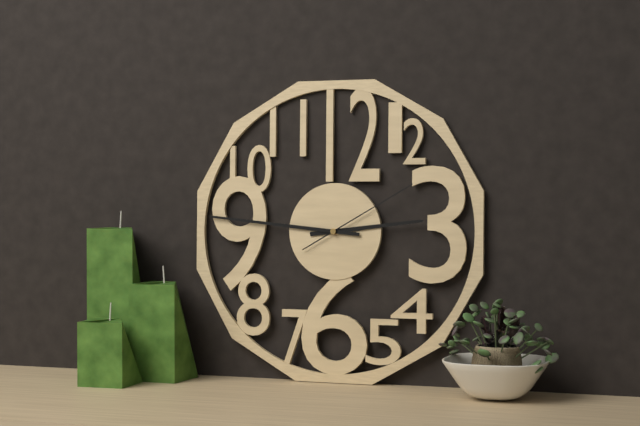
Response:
2h46m10s
